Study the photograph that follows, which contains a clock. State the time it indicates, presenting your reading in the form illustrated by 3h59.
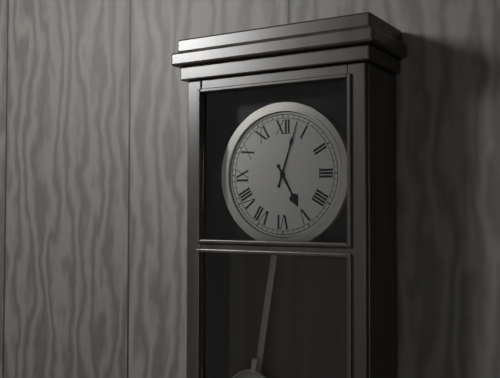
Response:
5h03
